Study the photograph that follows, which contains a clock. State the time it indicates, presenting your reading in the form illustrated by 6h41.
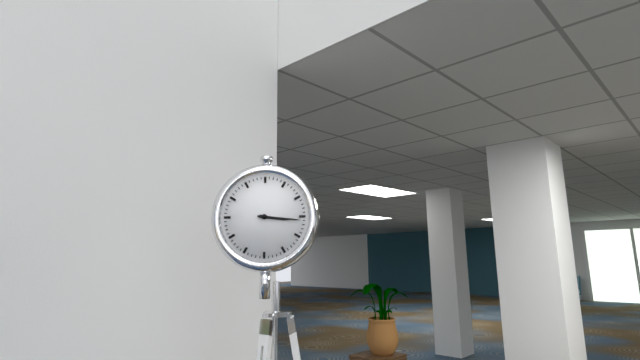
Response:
3h16
